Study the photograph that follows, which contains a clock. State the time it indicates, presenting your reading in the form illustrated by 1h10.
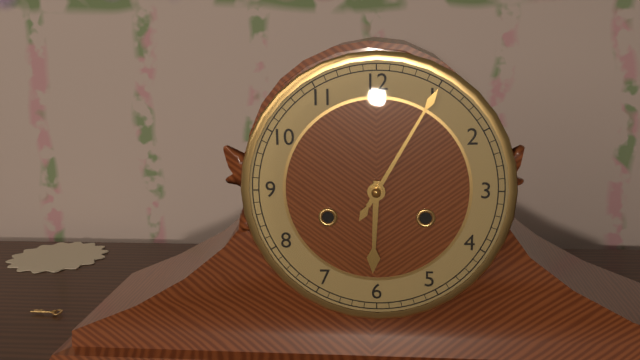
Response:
6h05
